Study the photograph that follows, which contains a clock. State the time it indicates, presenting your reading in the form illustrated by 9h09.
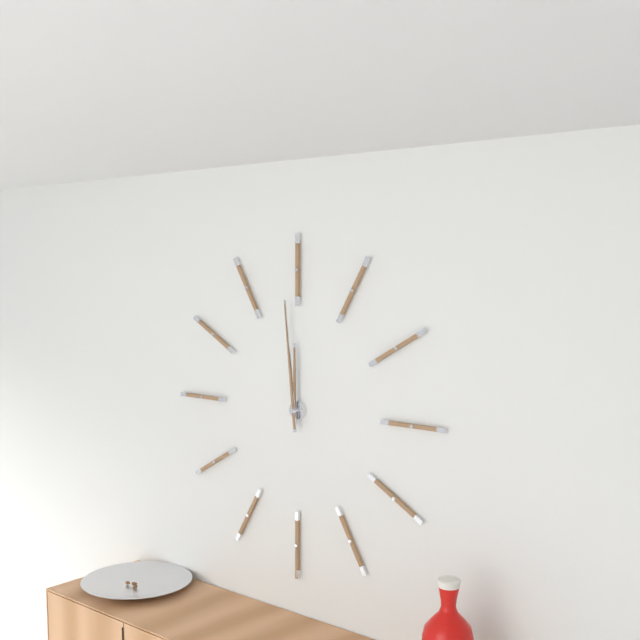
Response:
11h59
